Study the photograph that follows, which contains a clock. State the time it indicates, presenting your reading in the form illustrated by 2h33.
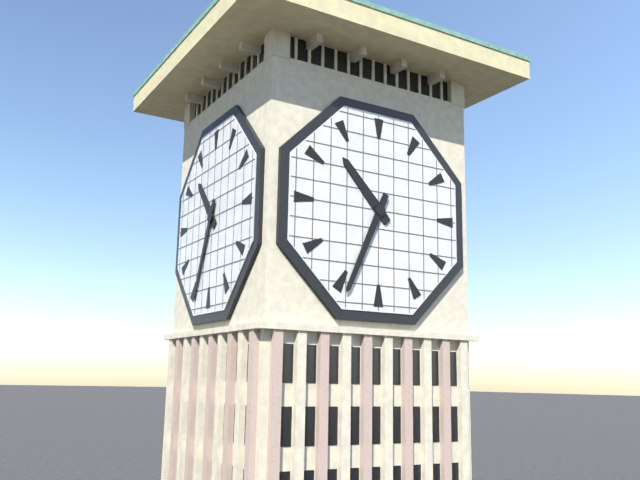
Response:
10h34
